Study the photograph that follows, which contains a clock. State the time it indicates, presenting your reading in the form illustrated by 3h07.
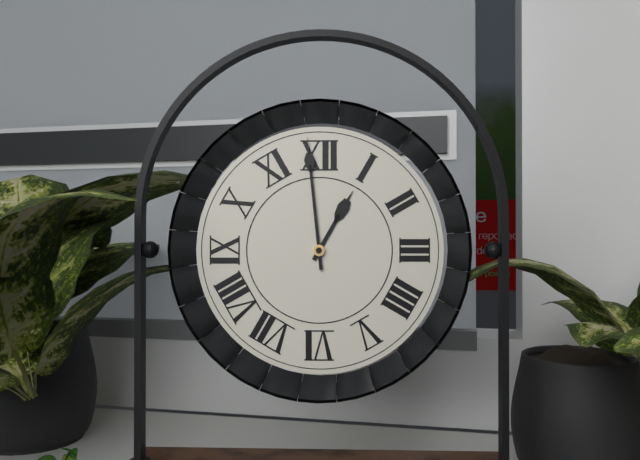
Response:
12h59
